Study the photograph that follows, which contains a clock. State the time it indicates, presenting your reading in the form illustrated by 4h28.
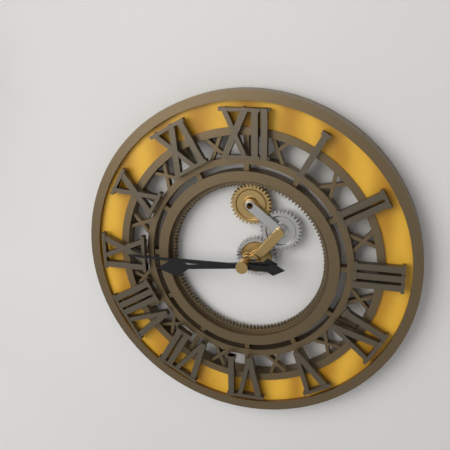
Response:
8h45
